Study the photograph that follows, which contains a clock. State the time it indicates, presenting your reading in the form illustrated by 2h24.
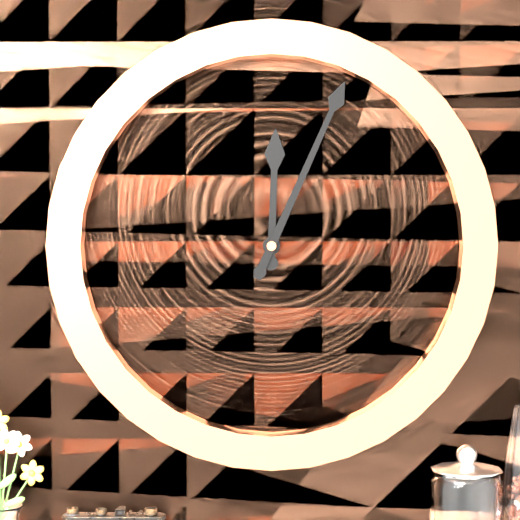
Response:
12h04
